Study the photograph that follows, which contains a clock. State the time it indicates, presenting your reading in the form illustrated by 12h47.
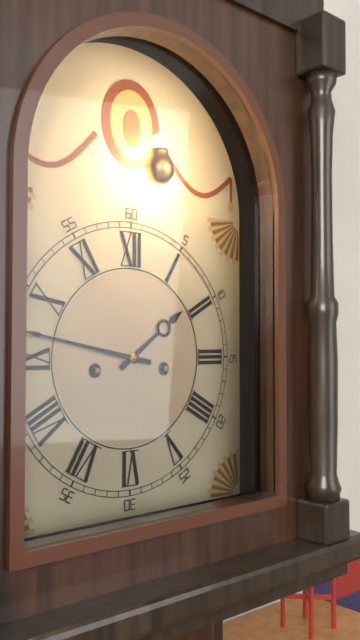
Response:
1h47
